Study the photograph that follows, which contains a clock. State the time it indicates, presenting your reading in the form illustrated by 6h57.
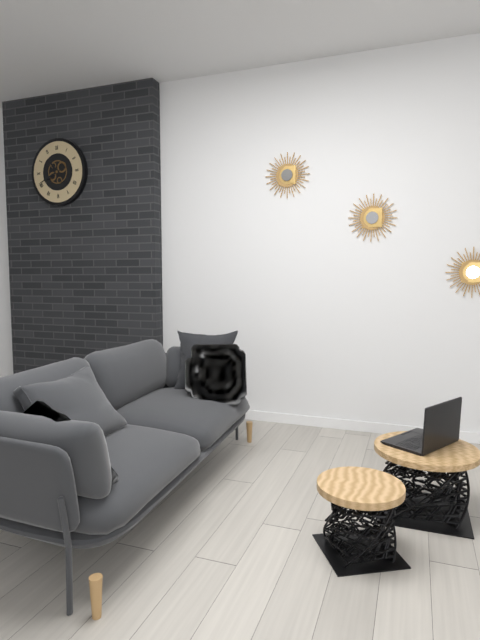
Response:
10h41
